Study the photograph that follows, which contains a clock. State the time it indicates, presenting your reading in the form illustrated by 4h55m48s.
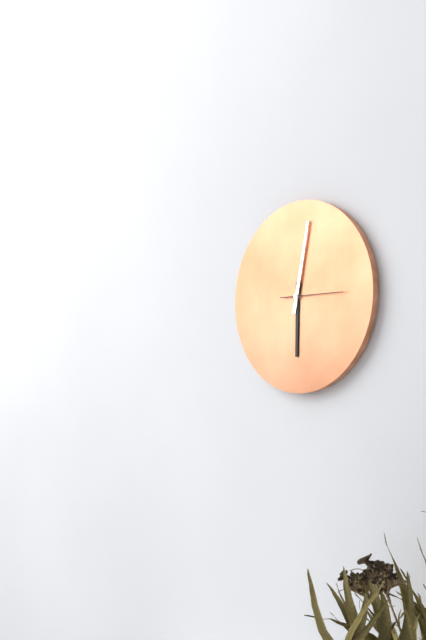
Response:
6h02m15s
